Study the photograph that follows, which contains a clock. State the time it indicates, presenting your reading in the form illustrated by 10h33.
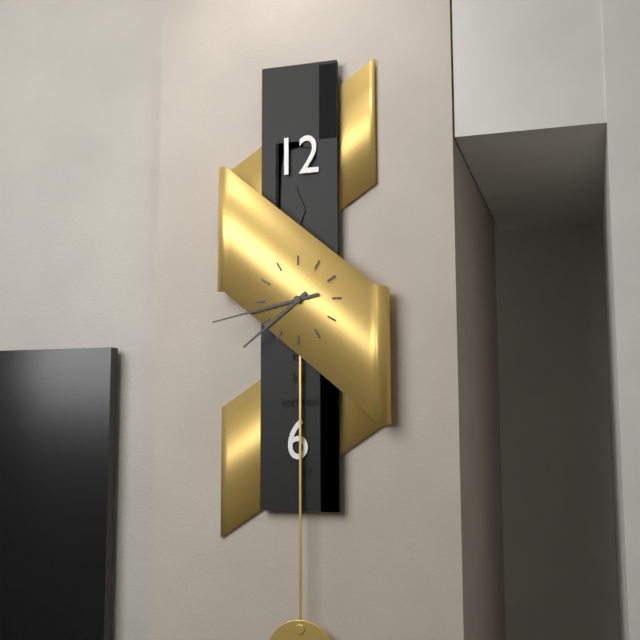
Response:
7h43
